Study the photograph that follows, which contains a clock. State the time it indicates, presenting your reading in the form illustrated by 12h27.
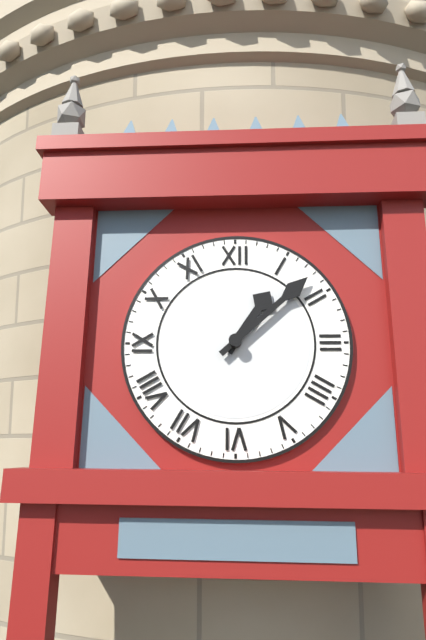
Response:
1h08
